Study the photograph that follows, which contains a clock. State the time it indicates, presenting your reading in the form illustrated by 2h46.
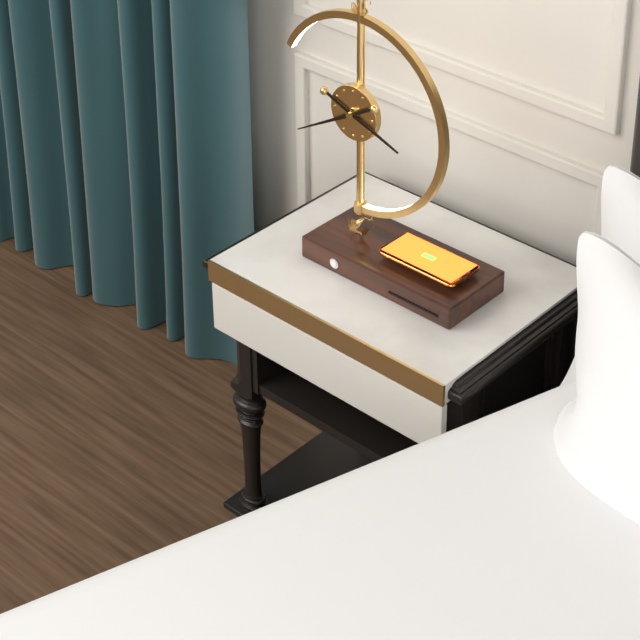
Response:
3h40
